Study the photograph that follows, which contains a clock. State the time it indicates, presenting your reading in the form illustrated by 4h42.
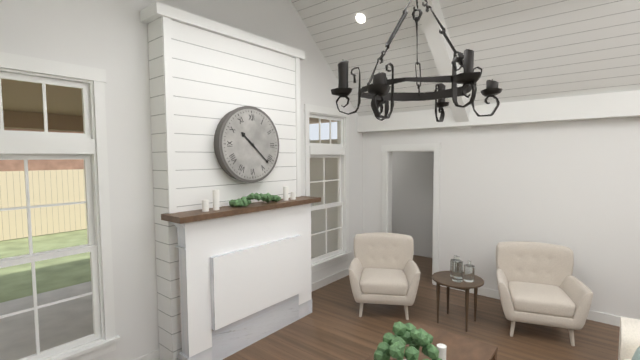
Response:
10h22
